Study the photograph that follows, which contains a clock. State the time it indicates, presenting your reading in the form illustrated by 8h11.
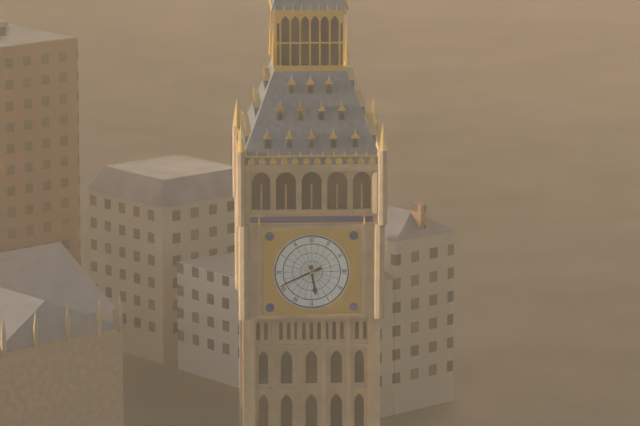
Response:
5h41
